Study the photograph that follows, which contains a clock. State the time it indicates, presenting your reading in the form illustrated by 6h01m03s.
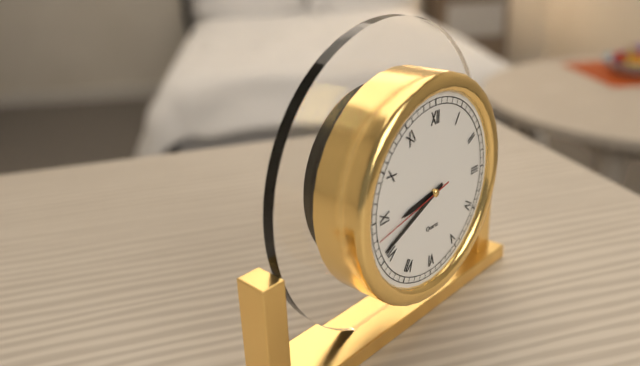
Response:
8h41m43s
